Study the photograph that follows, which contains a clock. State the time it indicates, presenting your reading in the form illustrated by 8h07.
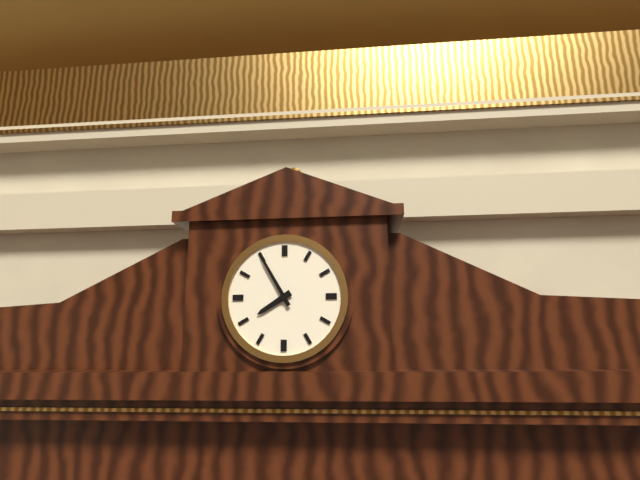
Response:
7h55
